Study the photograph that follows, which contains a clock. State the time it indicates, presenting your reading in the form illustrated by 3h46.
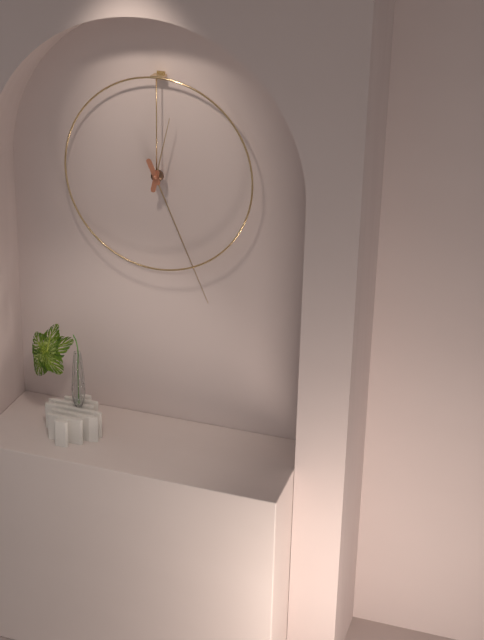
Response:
12h26
